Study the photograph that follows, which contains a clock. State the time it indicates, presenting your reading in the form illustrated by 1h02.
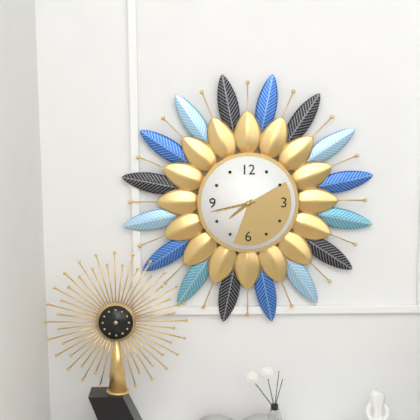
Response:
7h43
